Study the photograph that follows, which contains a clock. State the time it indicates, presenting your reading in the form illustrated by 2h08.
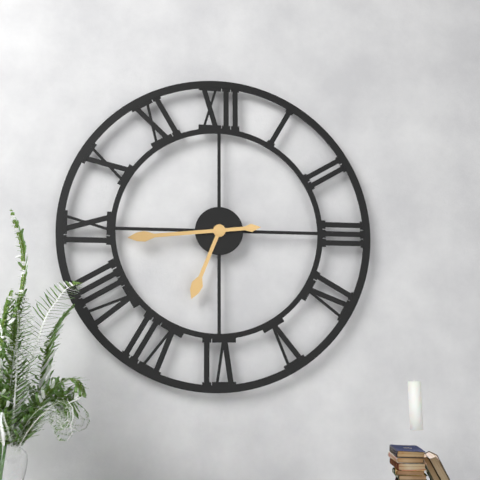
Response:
6h44
